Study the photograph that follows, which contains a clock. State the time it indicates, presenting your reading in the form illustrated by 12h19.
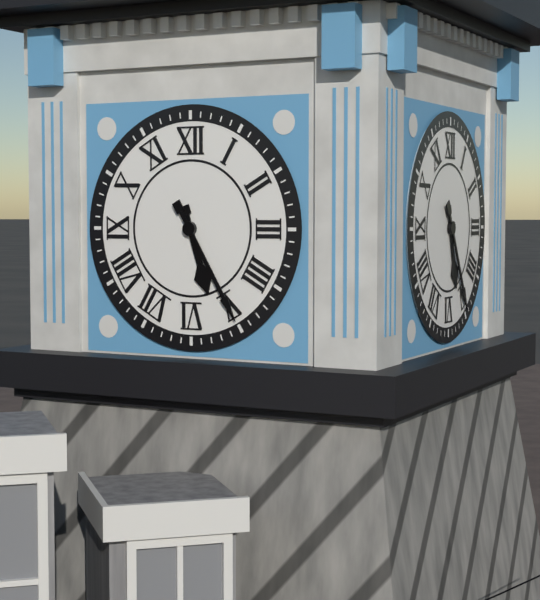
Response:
5h25
